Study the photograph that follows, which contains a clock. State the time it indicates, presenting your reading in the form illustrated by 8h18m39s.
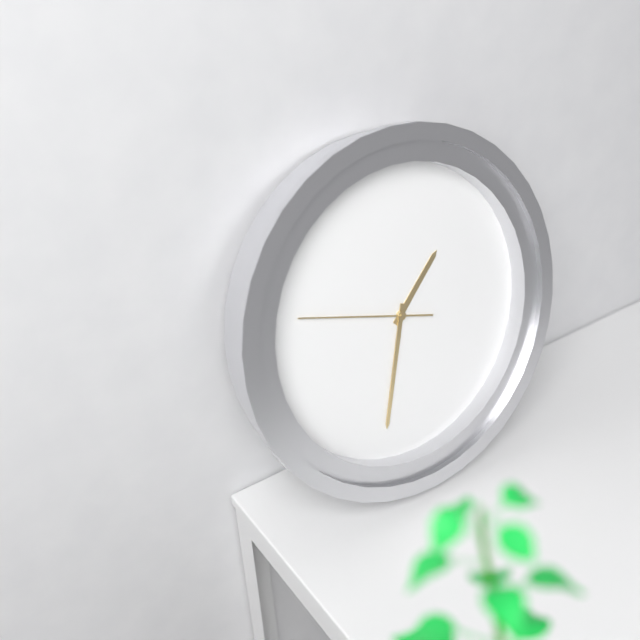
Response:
1h33m48s
